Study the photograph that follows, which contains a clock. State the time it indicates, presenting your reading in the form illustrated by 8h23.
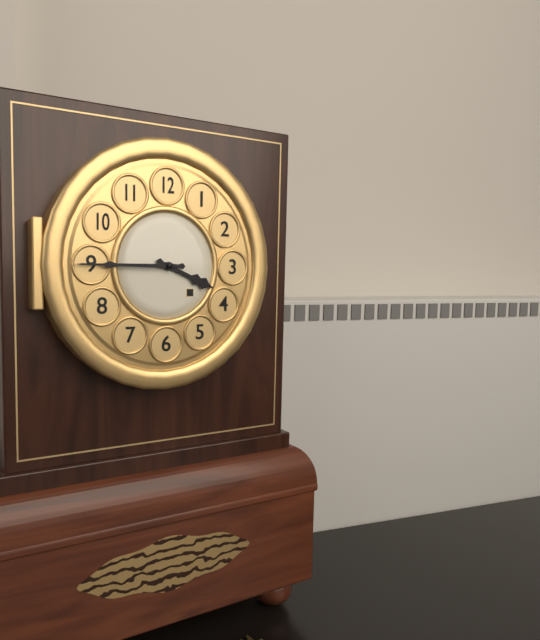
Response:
3h45
